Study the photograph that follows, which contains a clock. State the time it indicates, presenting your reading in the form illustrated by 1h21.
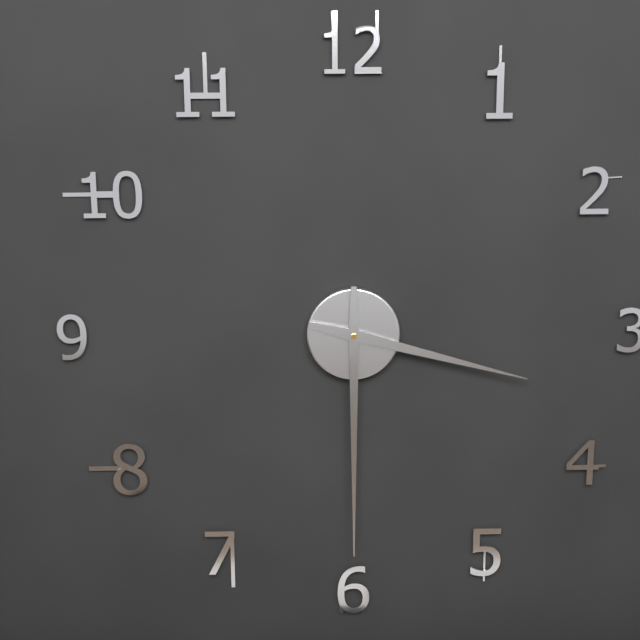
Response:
3h30
